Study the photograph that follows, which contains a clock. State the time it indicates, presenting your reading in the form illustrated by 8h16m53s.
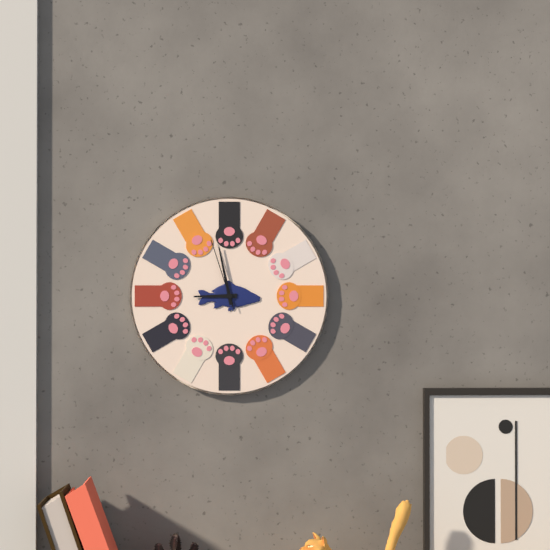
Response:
8h58m57s
